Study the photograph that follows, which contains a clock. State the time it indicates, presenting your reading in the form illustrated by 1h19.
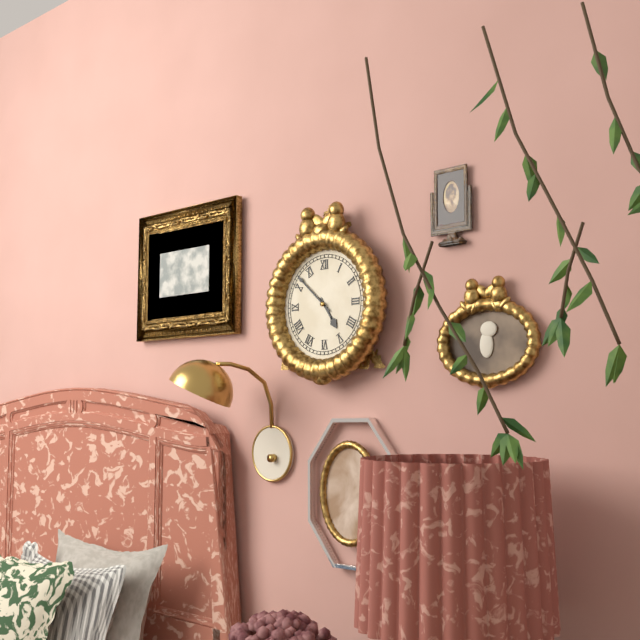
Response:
4h52
